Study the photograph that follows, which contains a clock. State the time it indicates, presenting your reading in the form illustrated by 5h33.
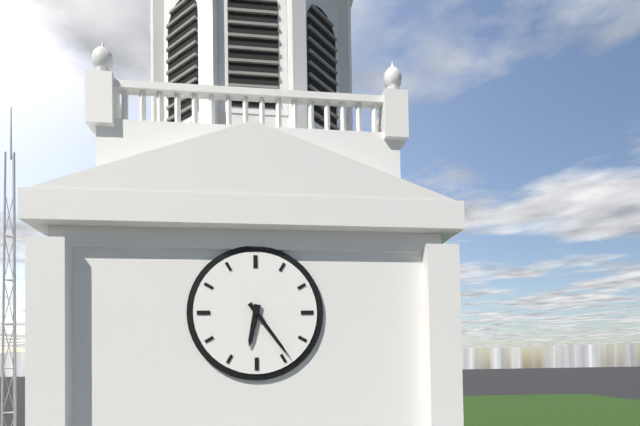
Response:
6h24
